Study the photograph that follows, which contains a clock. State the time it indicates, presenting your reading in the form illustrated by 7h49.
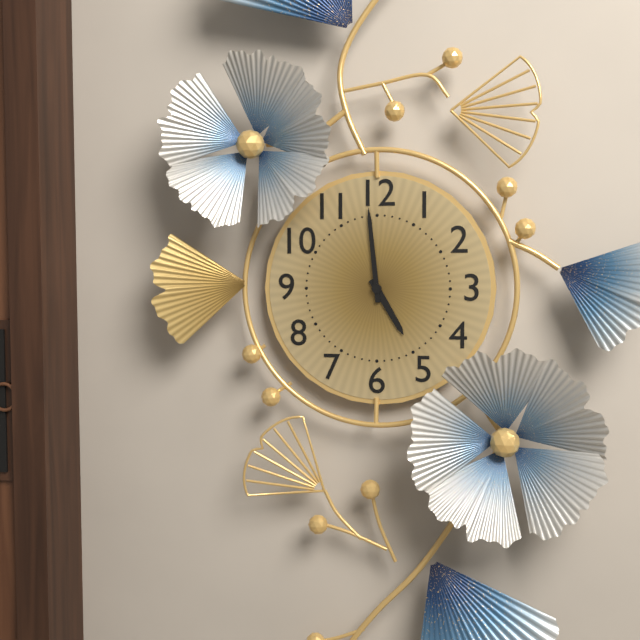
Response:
4h59
